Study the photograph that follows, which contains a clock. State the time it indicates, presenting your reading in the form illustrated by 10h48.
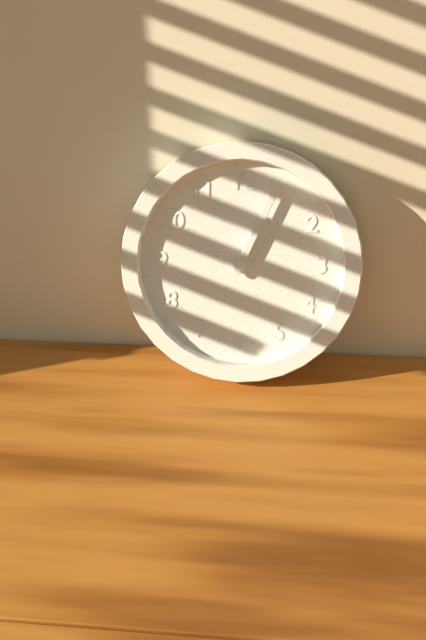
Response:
1h04
